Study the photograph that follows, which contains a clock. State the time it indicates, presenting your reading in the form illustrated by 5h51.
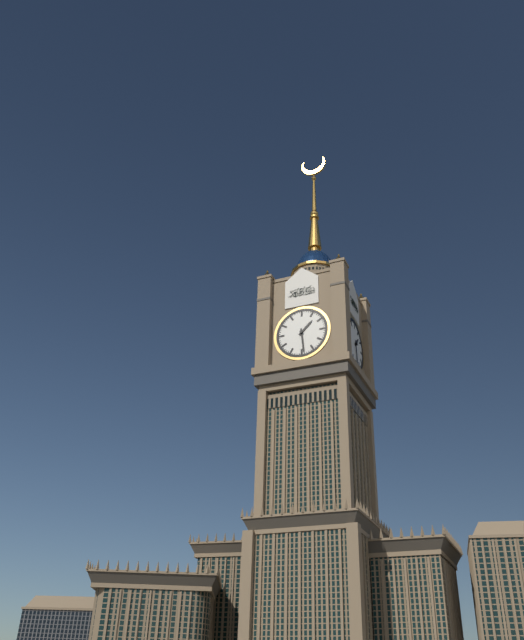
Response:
1h29
